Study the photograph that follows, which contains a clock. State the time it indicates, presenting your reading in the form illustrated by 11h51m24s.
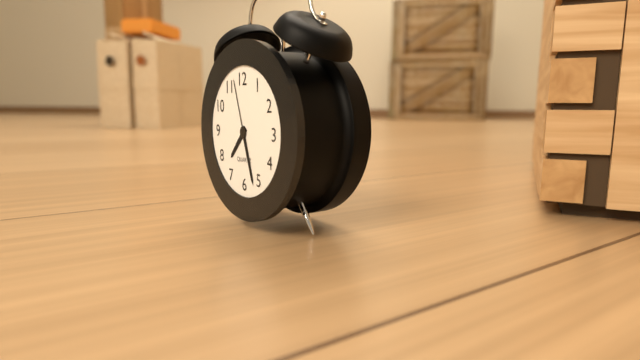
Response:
7h27m57s
